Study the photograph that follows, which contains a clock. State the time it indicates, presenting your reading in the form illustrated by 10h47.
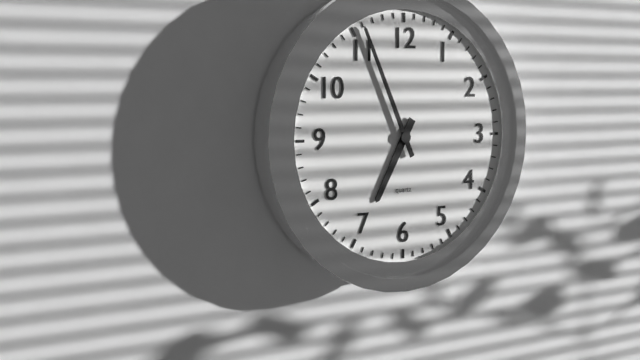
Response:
6h56
